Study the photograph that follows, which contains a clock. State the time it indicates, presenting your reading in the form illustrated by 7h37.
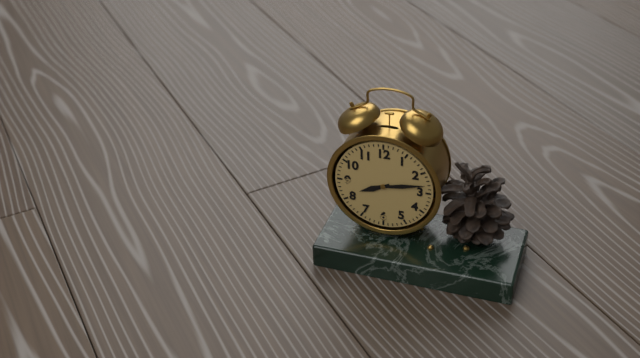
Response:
8h13
